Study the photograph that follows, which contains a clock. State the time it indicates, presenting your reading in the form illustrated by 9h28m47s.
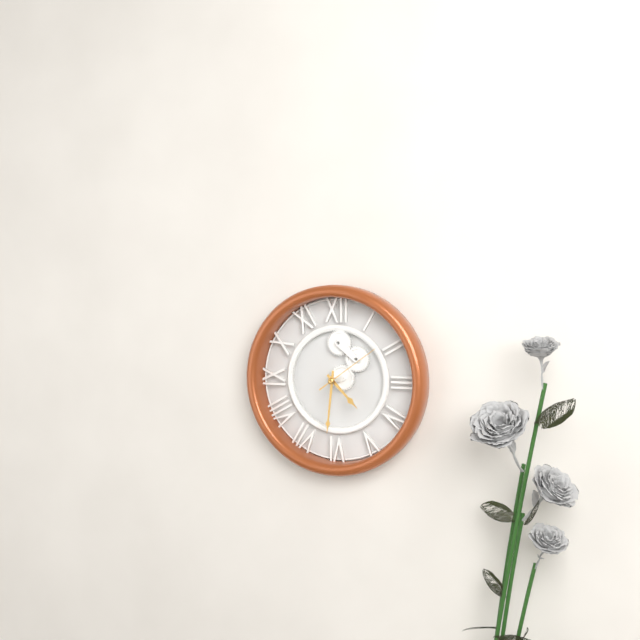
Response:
4h31m09s
